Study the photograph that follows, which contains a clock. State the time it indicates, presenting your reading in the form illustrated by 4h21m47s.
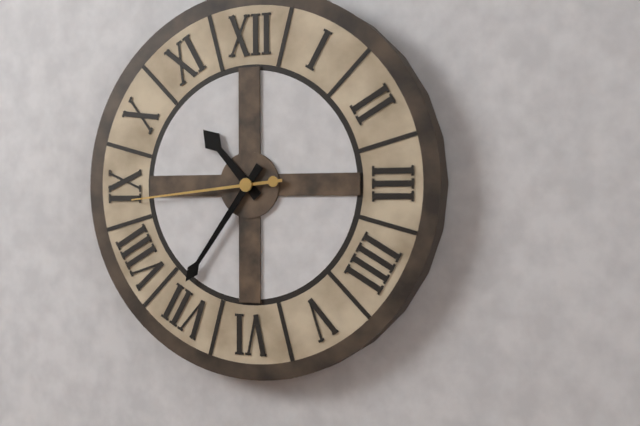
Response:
10h36m44s
